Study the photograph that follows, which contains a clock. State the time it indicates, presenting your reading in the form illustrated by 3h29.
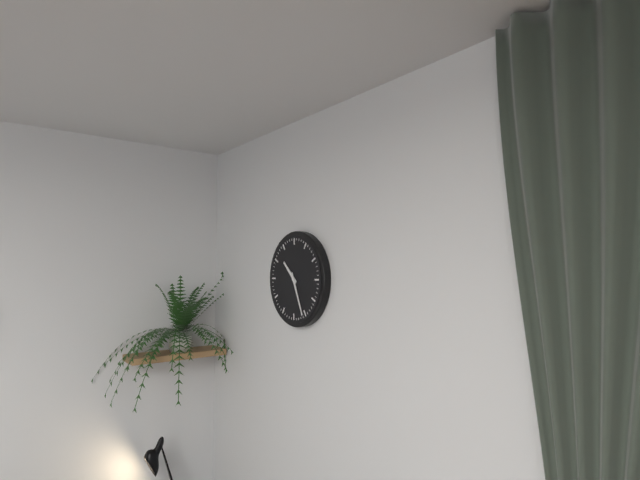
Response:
10h26
